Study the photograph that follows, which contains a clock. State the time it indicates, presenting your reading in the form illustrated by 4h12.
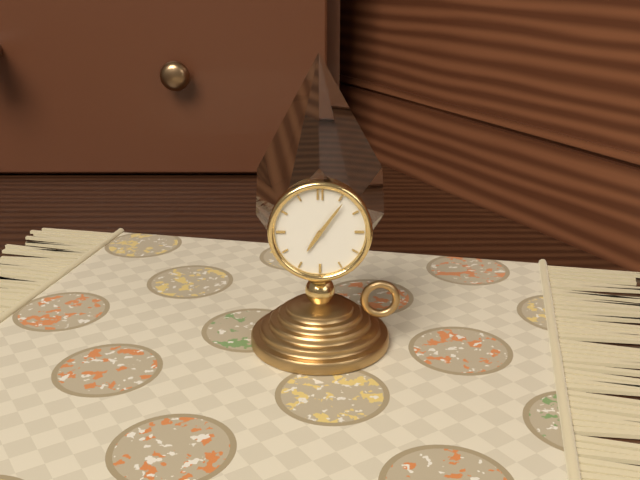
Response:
7h06
